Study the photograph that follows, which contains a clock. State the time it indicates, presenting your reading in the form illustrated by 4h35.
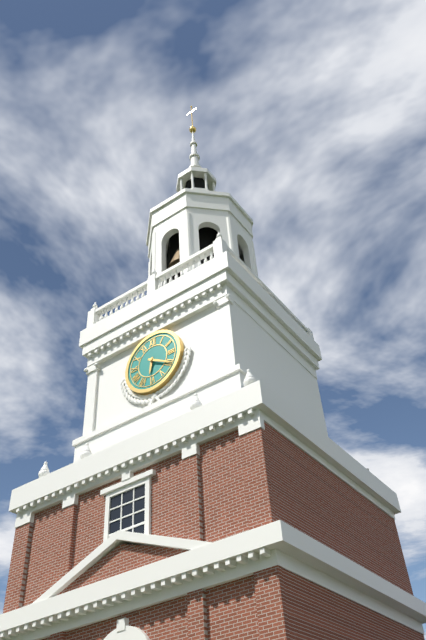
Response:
6h20
